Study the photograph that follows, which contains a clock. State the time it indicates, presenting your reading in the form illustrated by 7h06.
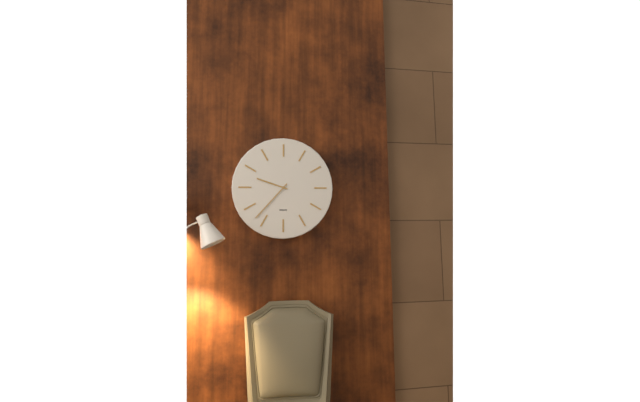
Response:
9h37
